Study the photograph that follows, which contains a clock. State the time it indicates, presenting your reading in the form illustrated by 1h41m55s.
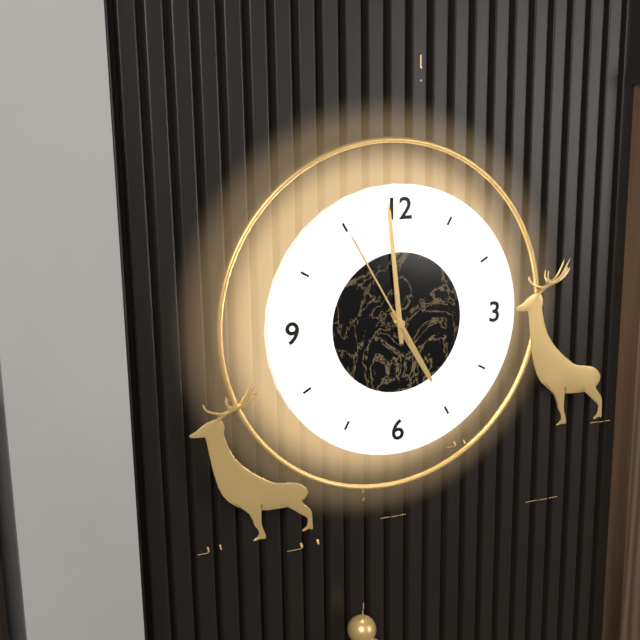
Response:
4h59m55s
